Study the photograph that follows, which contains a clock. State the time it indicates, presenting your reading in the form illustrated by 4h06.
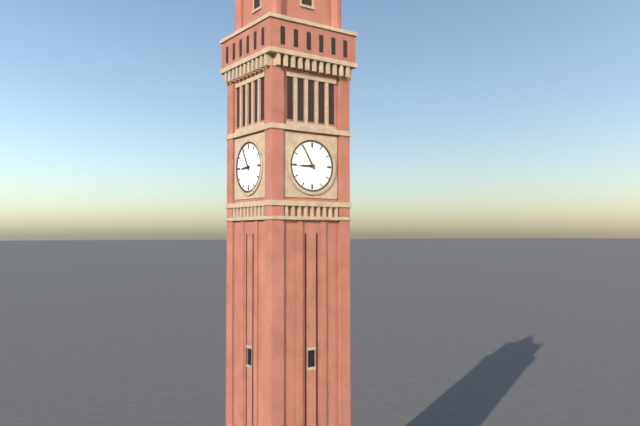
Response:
8h55
